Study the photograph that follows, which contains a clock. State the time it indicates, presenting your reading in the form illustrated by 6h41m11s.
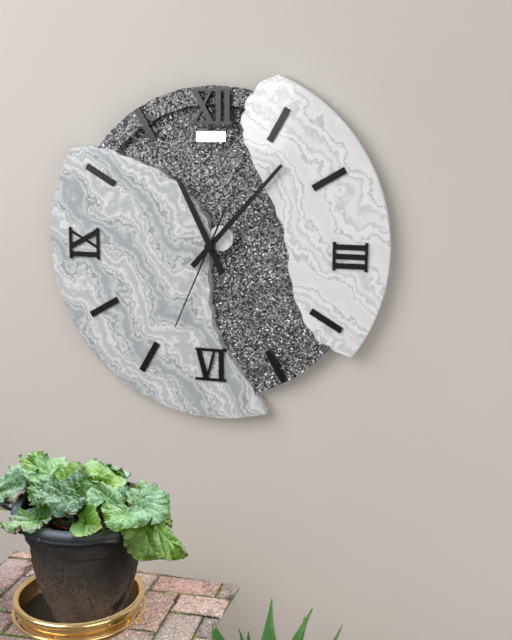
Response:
11h07m34s
